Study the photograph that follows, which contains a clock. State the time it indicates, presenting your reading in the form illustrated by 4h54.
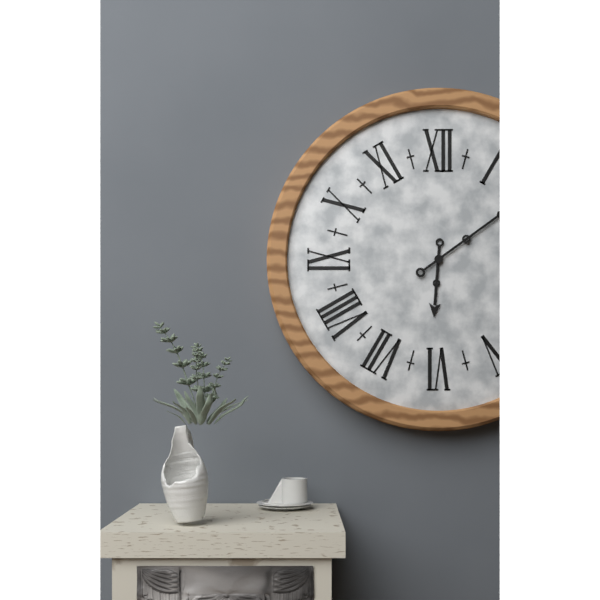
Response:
6h09
